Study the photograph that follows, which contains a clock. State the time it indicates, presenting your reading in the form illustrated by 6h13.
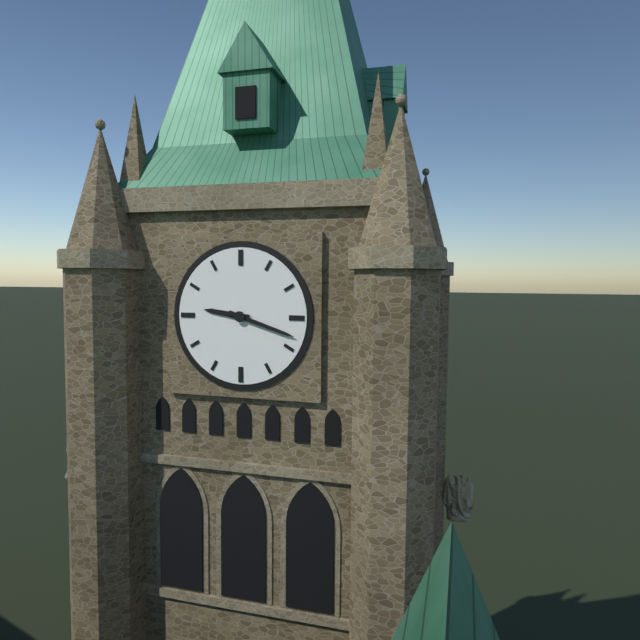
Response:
9h18
